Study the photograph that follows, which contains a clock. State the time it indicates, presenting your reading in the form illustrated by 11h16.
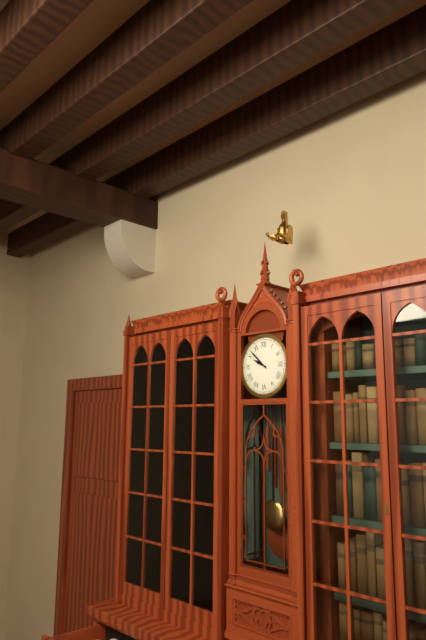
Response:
9h52
